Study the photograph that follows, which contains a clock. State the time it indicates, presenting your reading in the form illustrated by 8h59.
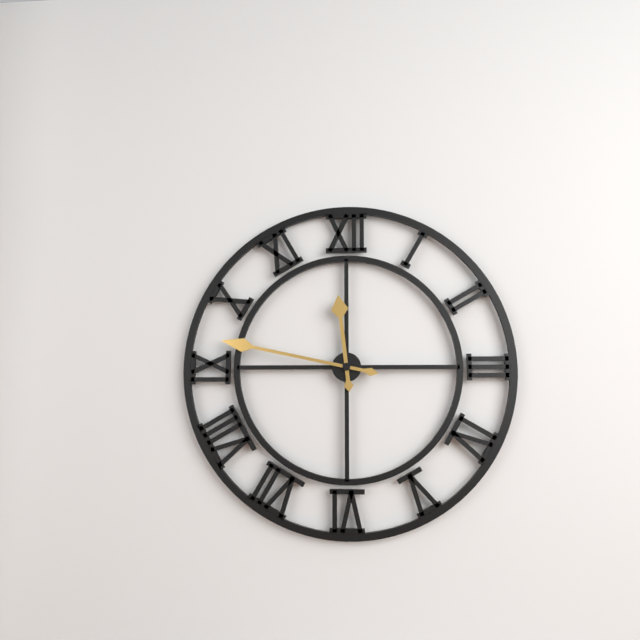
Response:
11h47
